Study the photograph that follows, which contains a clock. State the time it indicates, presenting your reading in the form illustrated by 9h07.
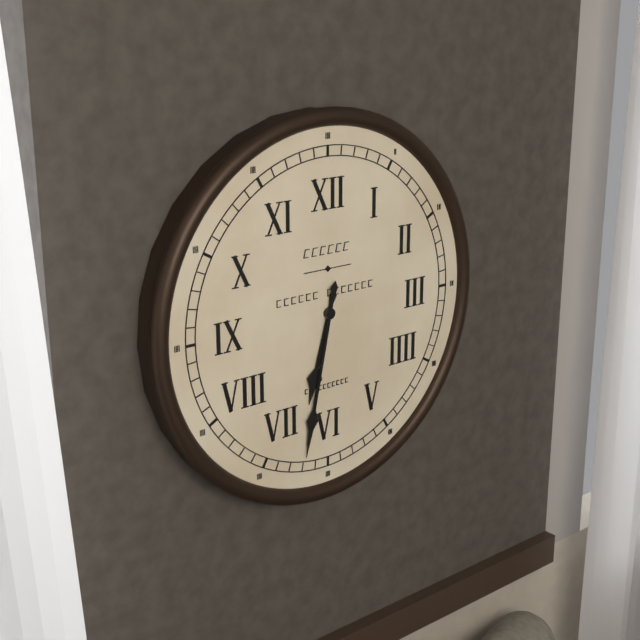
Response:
6h32
